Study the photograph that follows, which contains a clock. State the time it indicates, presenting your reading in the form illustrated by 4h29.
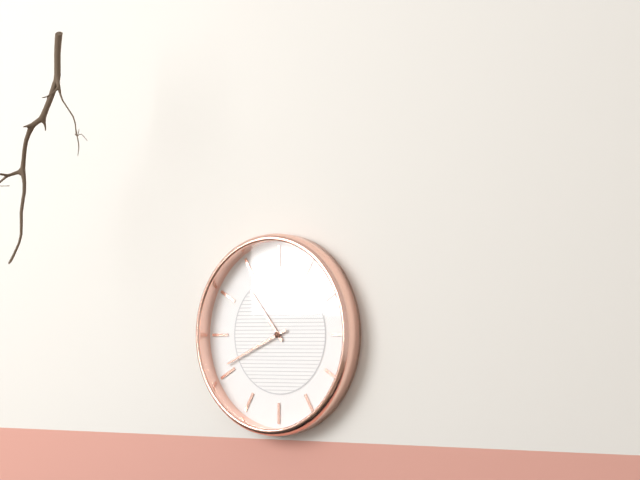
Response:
10h41
